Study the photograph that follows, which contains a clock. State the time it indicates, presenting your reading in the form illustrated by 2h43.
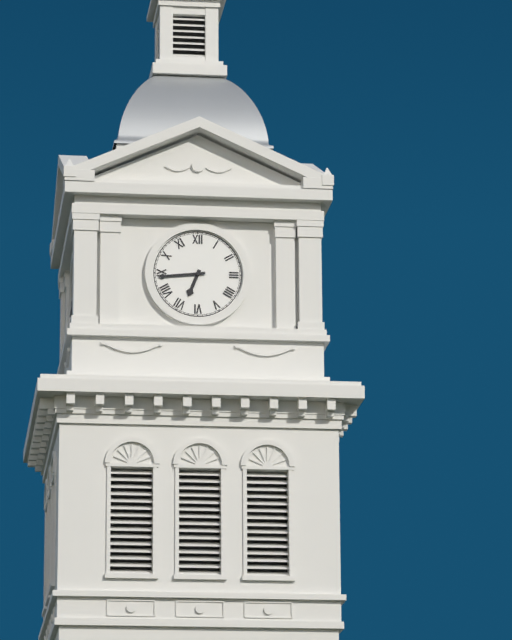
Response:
6h44
